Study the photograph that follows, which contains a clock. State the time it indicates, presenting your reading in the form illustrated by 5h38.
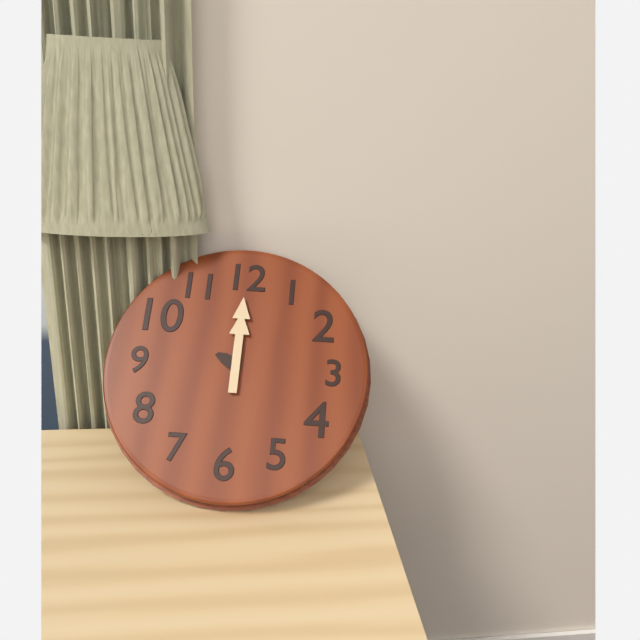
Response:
10h00
